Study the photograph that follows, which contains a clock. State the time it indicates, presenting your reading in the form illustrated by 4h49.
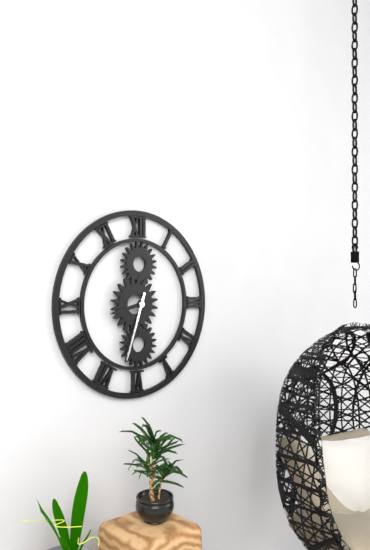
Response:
8h33
